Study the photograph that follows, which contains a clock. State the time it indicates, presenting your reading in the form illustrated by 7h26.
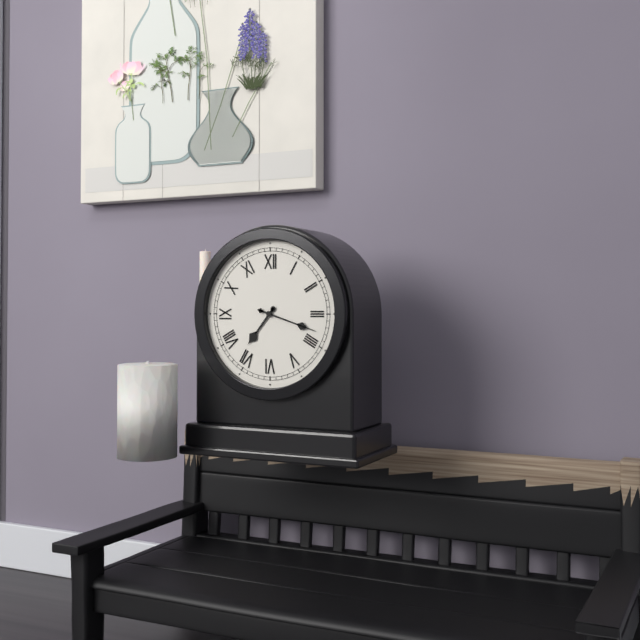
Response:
7h18
